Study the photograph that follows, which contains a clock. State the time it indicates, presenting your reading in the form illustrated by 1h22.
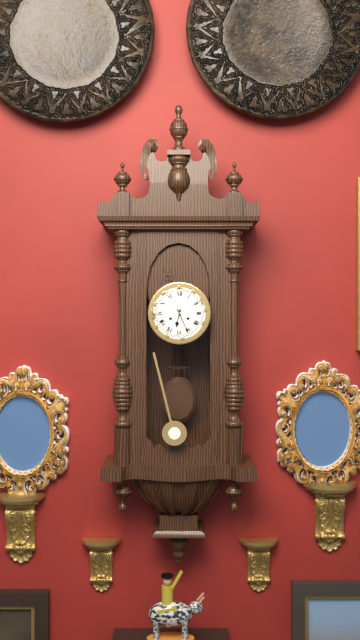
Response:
6h26
